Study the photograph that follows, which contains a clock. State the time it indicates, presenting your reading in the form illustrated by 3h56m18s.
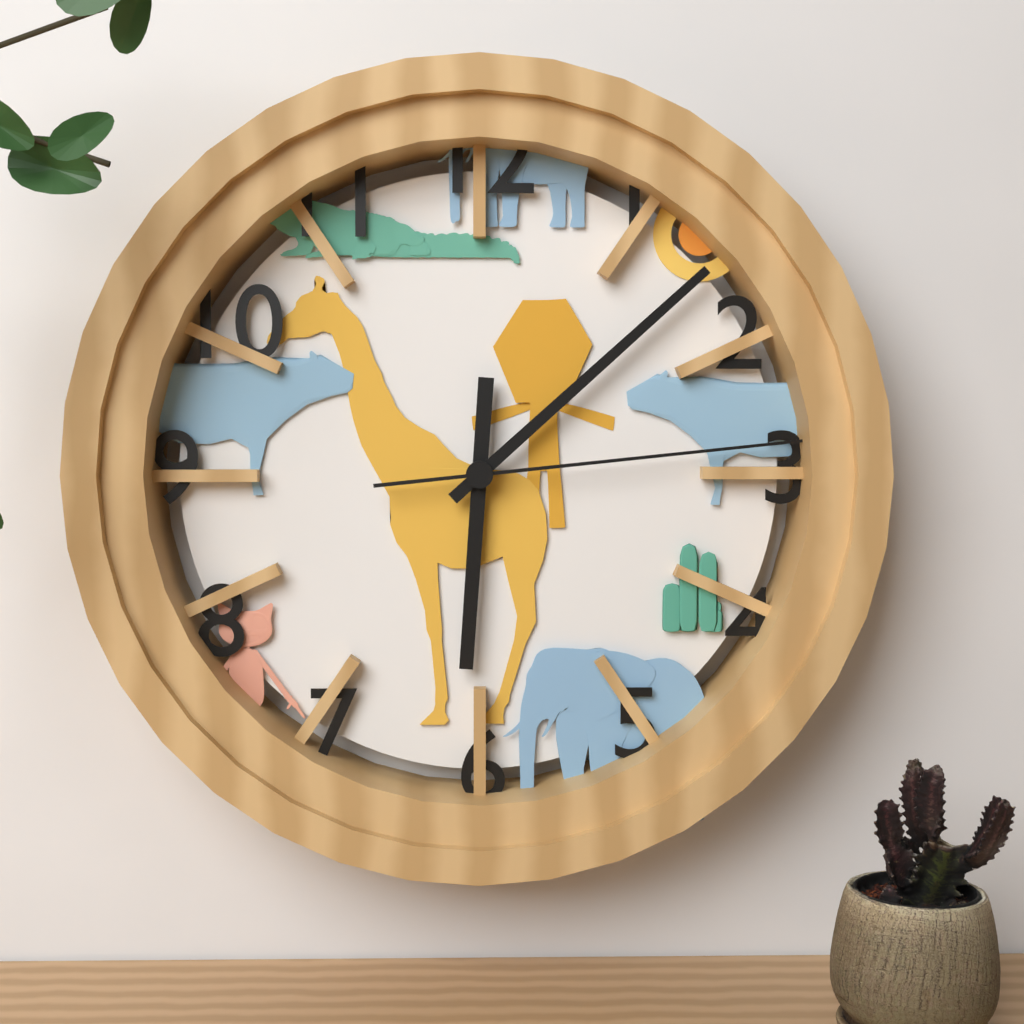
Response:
6h08m14s
